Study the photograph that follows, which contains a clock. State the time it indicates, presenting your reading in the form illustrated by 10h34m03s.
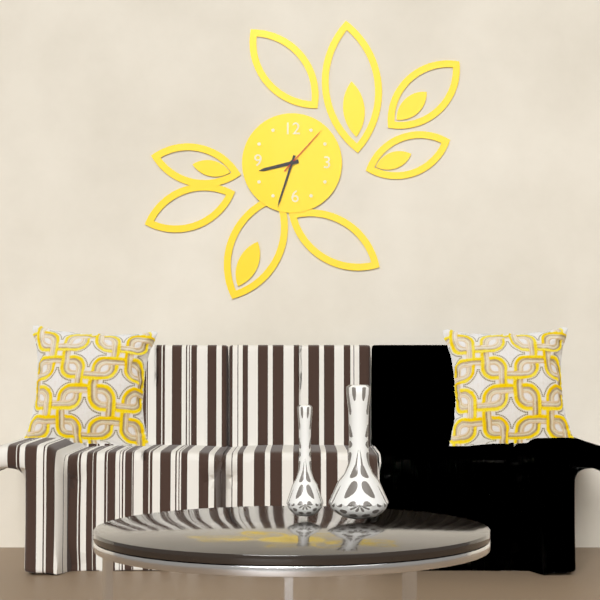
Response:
8h33m07s
